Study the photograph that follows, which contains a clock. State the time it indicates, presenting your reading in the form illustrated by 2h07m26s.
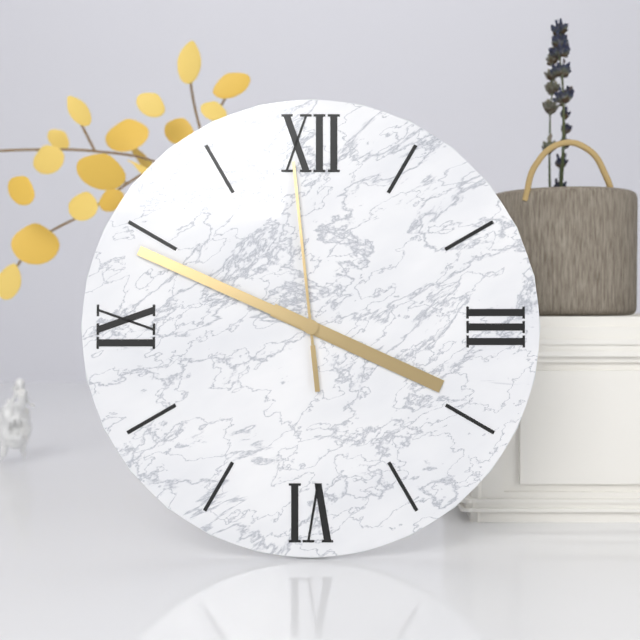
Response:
3h49m59s
